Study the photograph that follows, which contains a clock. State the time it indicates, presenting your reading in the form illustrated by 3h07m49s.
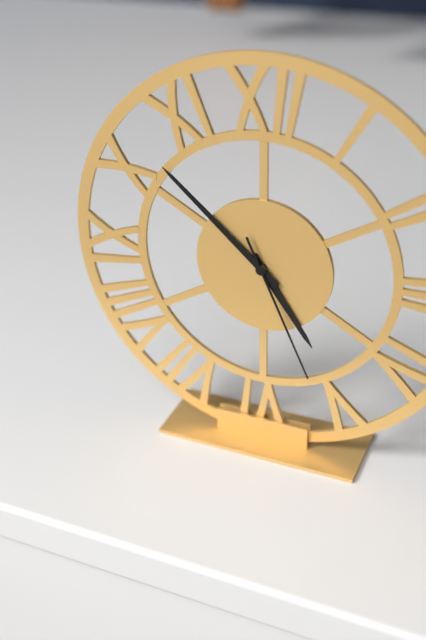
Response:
4h52m26s
